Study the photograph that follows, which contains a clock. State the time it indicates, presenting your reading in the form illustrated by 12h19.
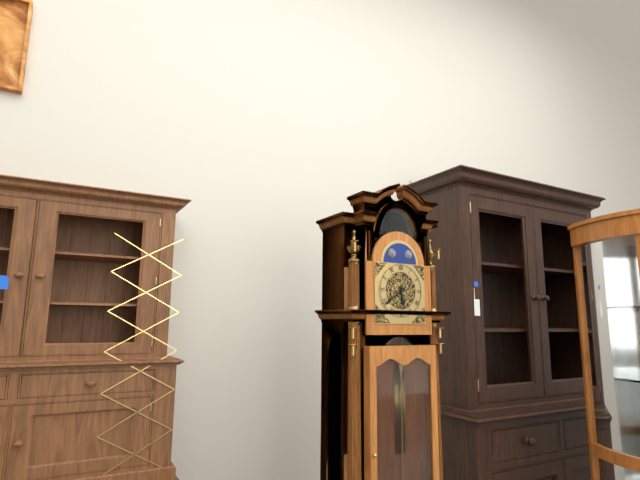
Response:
5h39
